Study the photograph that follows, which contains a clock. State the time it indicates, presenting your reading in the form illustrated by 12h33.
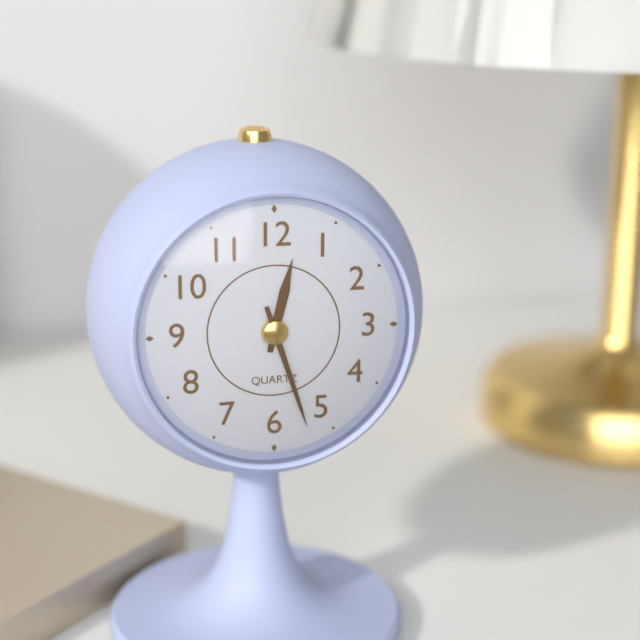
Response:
12h27
